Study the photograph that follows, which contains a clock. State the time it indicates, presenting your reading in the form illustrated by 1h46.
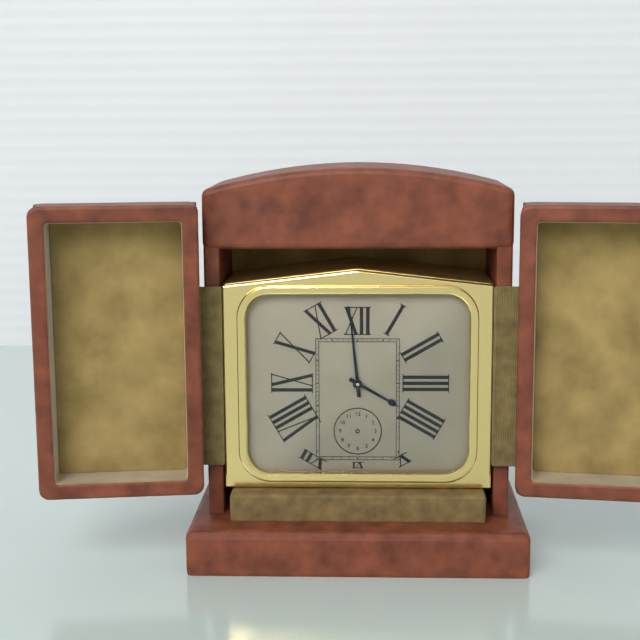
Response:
3h59
